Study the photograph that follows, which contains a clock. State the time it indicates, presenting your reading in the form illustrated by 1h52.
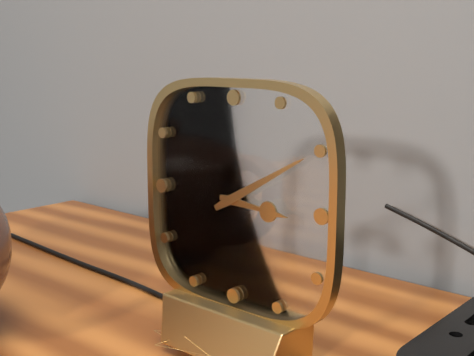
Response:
3h10
